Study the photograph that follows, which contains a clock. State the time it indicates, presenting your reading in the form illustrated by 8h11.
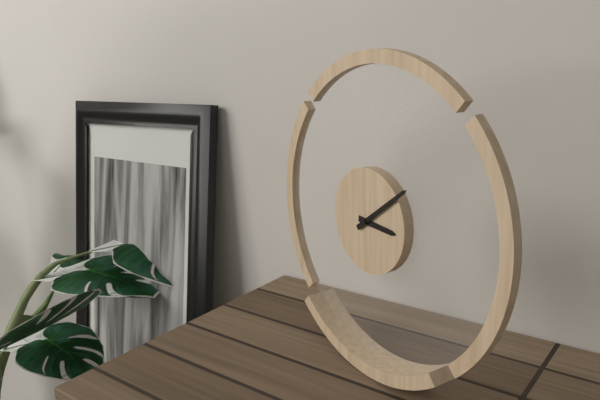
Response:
3h09
